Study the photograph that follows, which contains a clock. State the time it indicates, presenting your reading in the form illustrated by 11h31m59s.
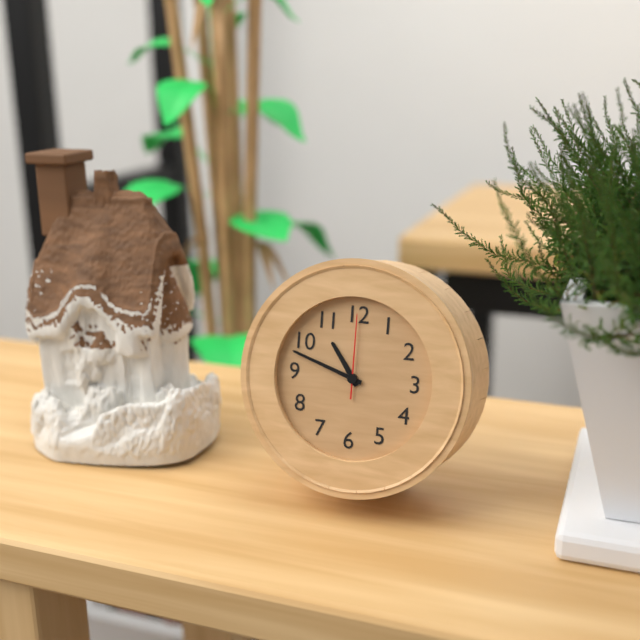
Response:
10h48m00s
